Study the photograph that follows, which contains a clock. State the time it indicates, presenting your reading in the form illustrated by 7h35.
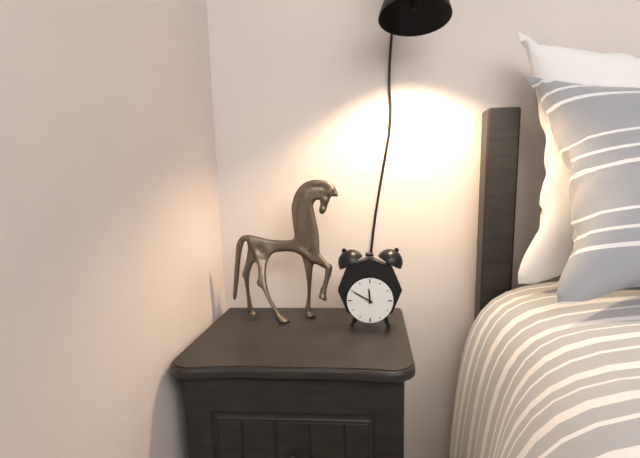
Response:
11h50
